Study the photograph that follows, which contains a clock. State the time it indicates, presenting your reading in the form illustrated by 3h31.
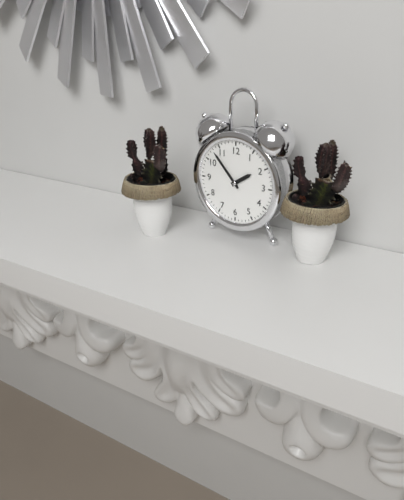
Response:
1h53
